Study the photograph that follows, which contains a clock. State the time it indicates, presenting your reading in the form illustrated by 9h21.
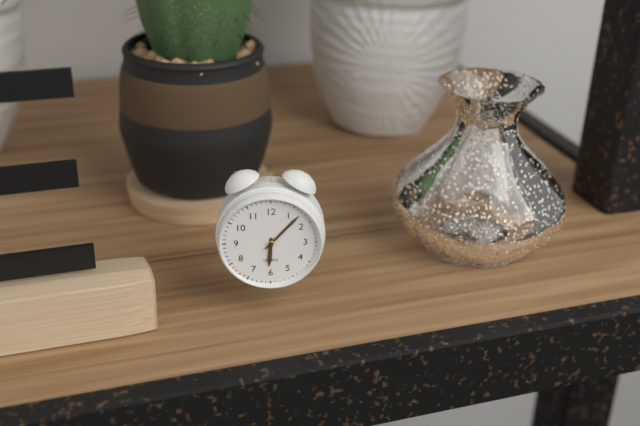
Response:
6h07
